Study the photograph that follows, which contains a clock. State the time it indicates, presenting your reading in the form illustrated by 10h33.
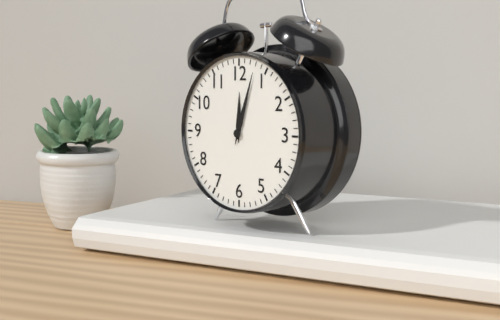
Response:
12h03
